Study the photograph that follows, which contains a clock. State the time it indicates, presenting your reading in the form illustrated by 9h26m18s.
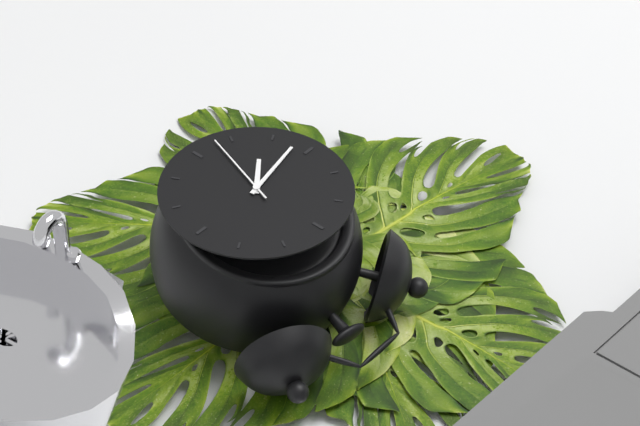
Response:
7h43m33s
